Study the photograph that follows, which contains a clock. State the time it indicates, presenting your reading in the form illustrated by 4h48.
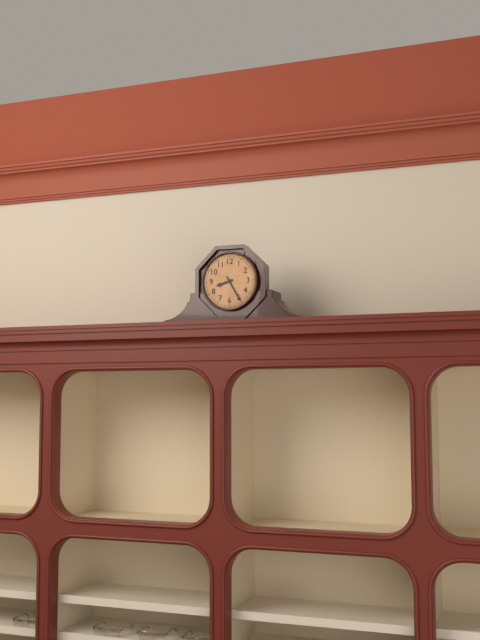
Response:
8h25
